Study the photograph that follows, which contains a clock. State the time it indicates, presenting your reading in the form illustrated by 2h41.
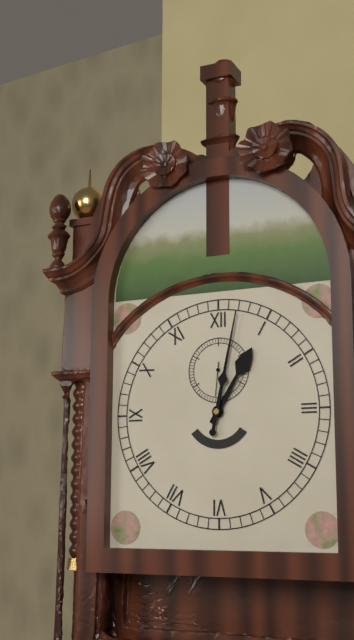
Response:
1h02
